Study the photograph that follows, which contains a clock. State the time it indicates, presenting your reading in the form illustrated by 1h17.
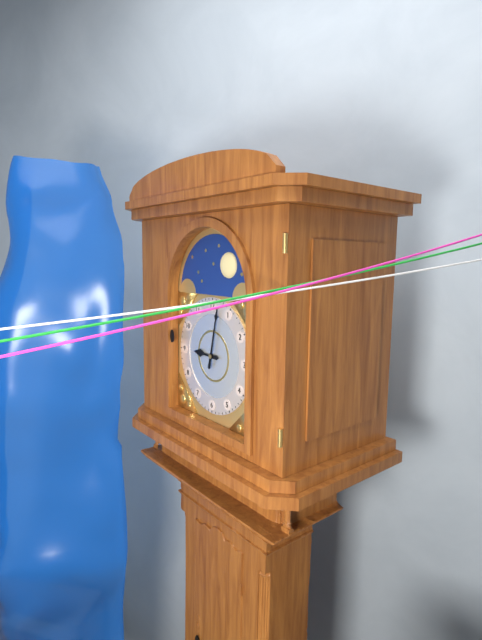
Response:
9h02
